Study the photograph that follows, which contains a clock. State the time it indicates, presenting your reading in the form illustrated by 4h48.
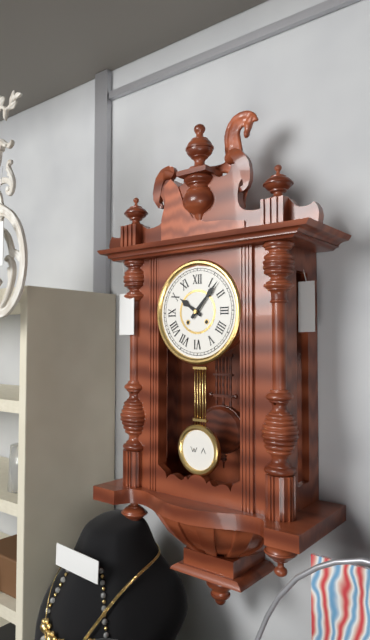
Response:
10h07
